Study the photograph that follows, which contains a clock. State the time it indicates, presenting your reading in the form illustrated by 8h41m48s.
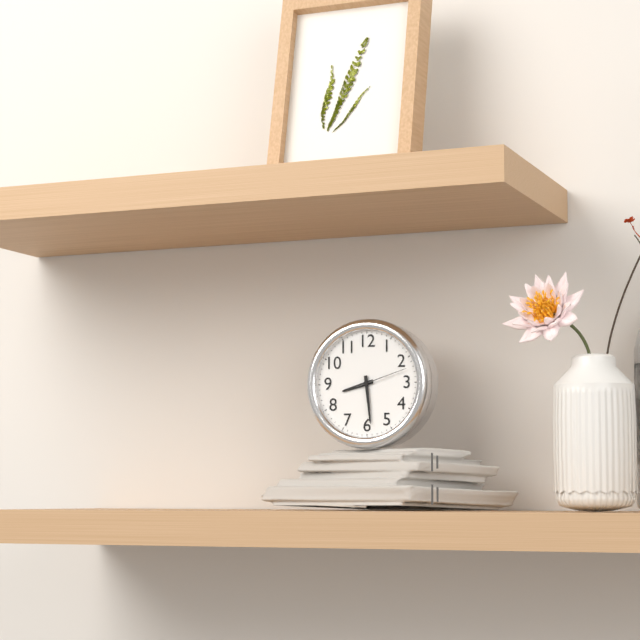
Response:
8h29m12s
